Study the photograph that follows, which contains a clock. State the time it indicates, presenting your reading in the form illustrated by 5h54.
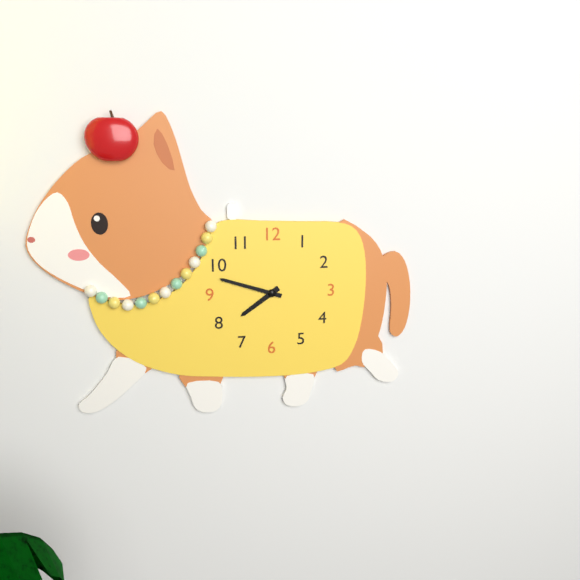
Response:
7h48
